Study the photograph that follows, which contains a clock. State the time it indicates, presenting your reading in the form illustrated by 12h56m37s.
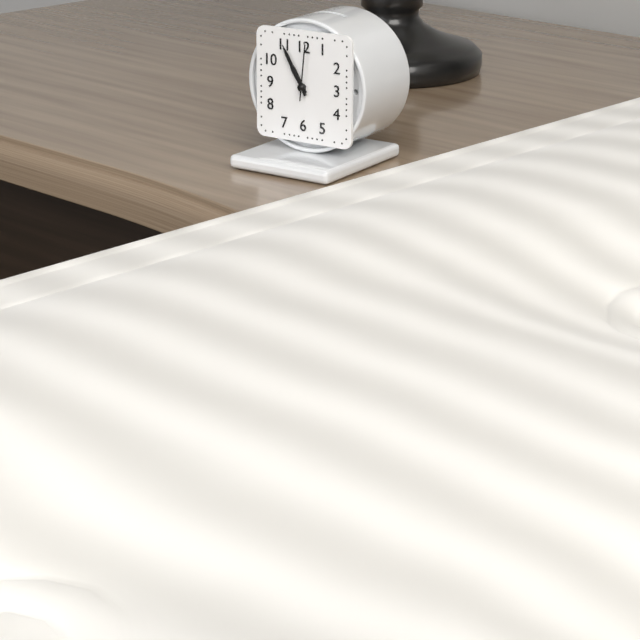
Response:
10h55m01s
